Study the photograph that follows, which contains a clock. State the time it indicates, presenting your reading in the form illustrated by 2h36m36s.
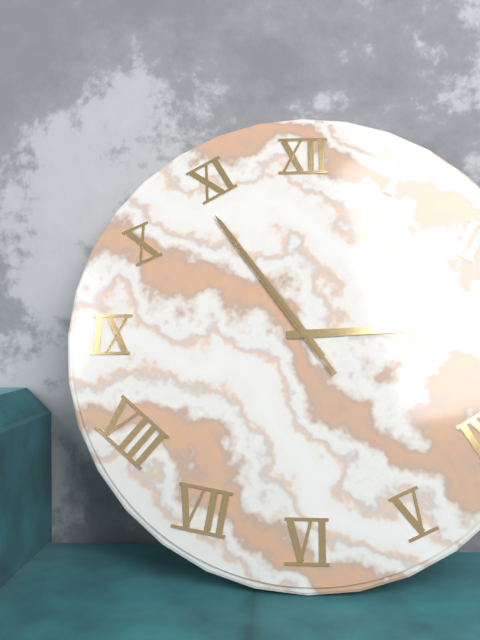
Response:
2h54m54s
